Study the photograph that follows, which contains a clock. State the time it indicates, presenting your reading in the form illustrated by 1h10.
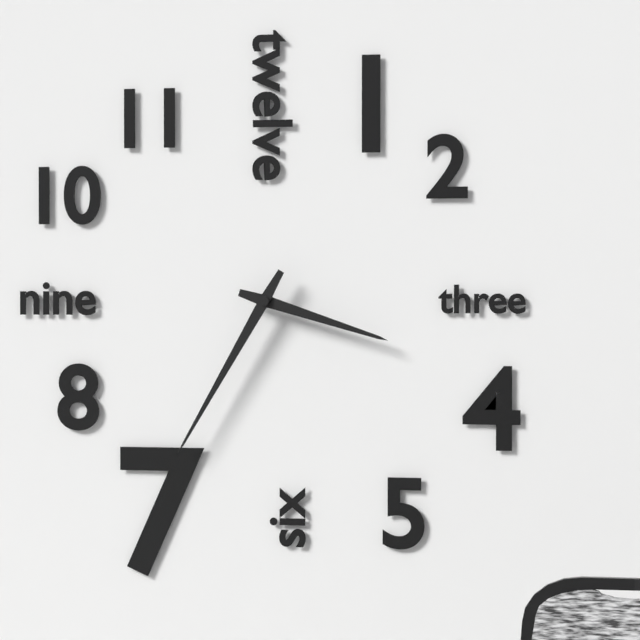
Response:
3h35
